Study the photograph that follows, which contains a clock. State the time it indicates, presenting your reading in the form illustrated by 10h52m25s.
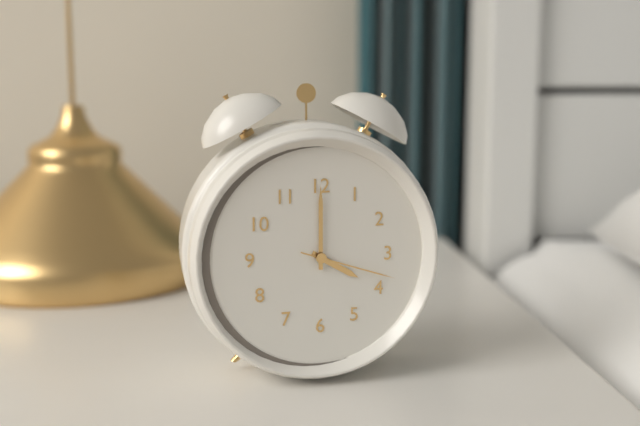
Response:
4h00m18s
